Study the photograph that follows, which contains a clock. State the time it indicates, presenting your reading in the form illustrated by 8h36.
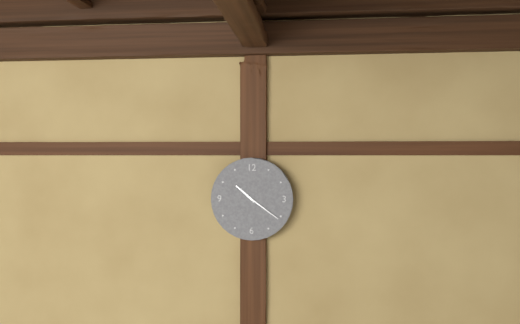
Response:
10h21
